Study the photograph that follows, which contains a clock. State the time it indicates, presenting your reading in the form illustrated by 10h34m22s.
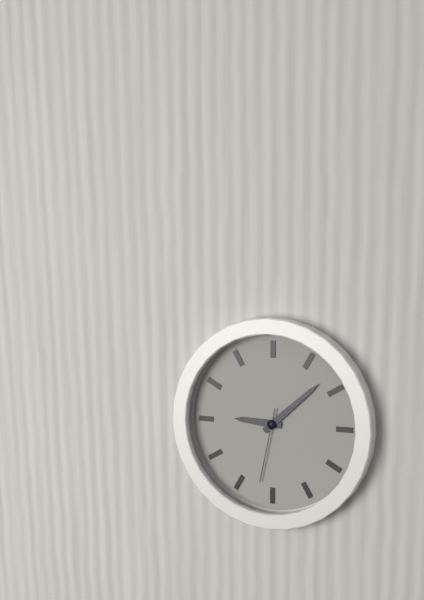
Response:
9h08m32s
